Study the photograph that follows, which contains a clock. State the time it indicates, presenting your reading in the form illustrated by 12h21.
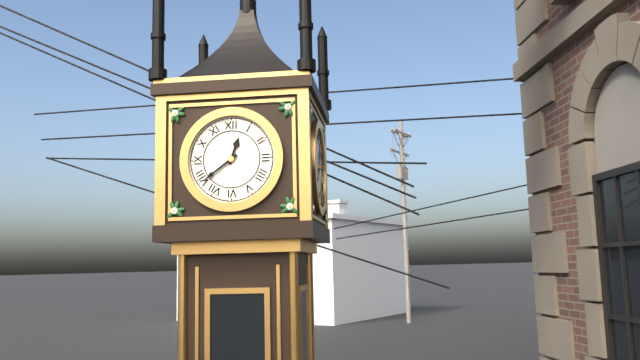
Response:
12h39
